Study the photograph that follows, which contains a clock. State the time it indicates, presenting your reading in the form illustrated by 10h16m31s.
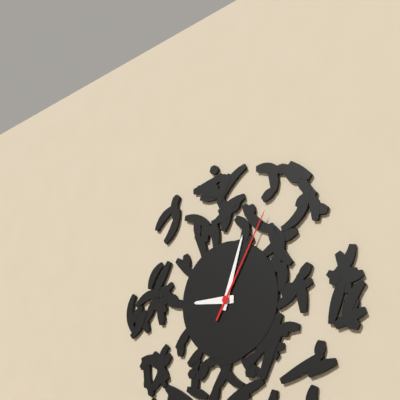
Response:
9h03m05s
